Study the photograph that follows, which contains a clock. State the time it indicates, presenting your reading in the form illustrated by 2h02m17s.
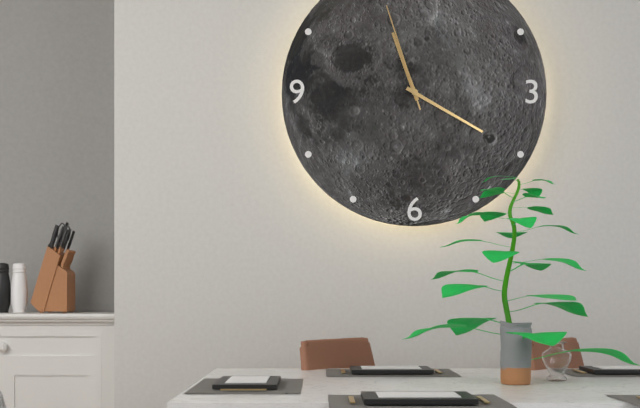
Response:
11h20m57s
